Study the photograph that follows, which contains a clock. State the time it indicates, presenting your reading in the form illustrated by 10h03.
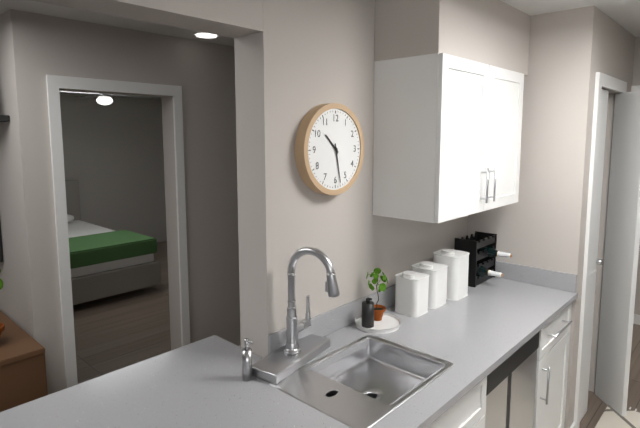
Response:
10h28
